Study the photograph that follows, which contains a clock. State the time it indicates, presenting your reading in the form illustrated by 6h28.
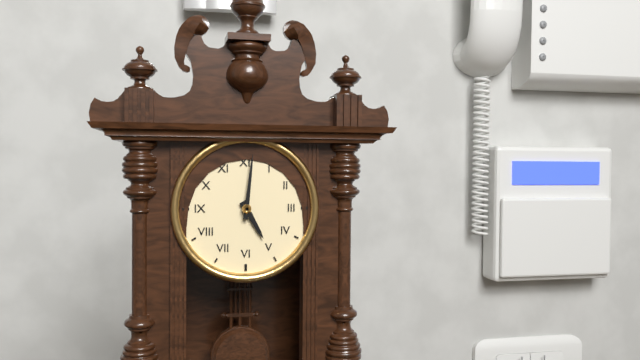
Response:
5h01
